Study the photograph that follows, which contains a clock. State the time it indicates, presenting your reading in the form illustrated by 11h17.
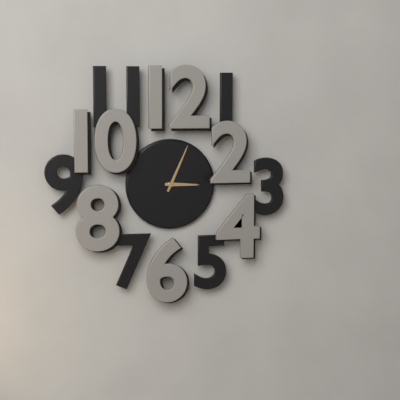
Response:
3h04
